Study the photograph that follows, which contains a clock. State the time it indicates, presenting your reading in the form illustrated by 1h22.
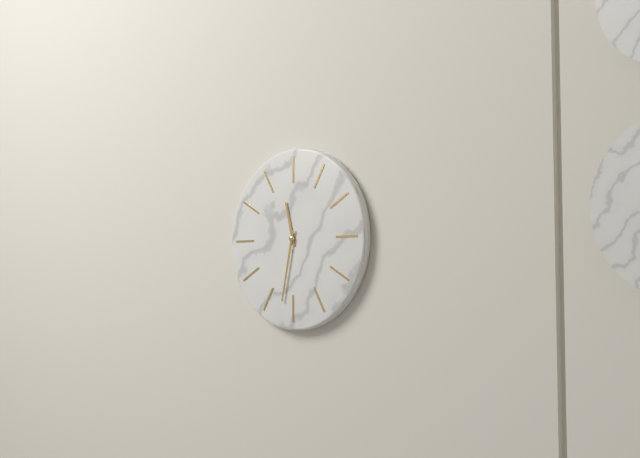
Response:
11h32
